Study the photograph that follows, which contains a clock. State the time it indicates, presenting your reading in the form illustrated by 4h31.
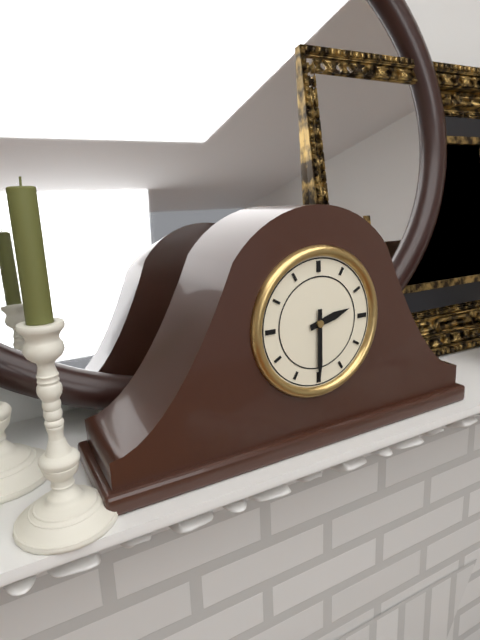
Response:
2h30
